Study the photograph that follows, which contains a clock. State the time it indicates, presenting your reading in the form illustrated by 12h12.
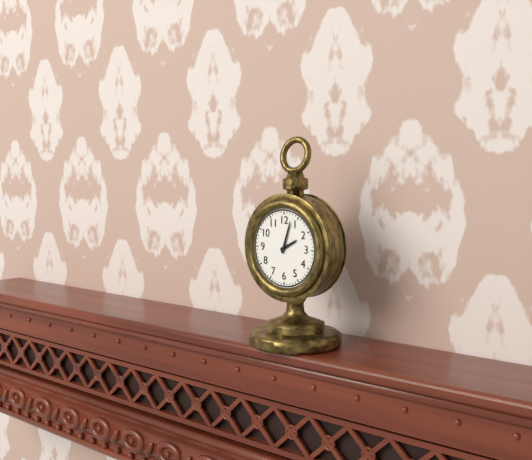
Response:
2h03
